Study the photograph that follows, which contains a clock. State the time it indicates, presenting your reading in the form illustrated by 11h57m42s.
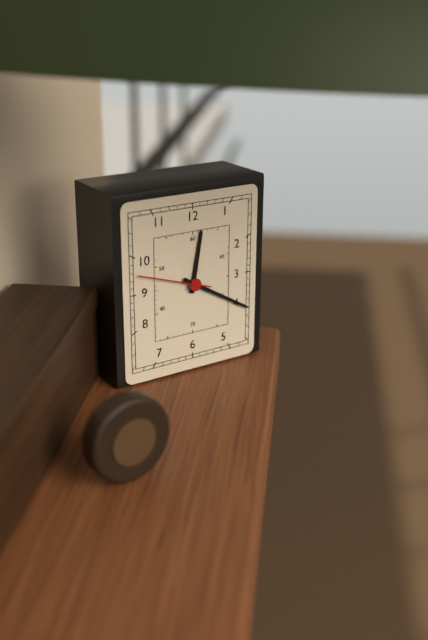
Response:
12h20m48s
